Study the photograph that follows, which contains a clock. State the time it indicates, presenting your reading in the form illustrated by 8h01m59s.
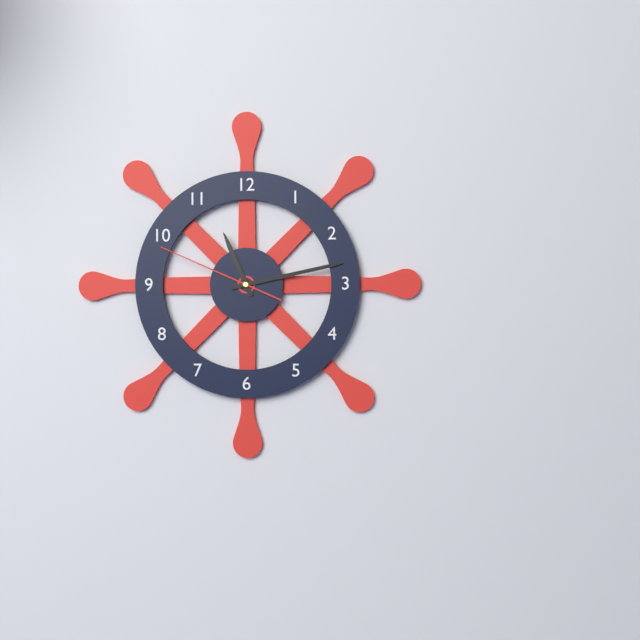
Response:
11h13m49s
